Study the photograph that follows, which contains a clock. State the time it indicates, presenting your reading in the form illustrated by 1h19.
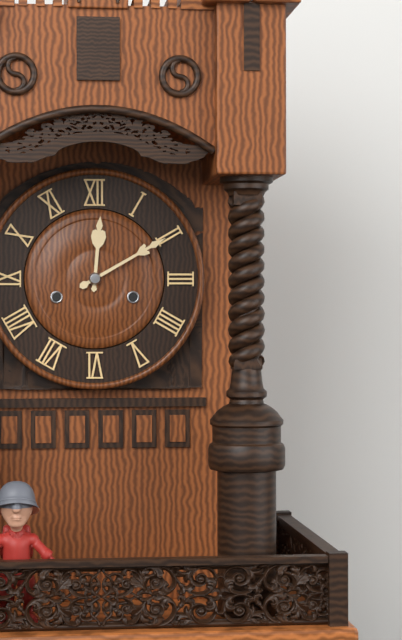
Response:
12h10
